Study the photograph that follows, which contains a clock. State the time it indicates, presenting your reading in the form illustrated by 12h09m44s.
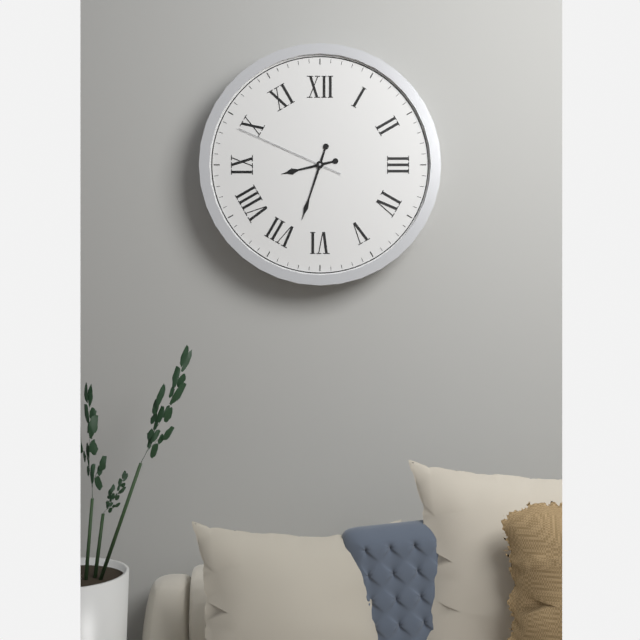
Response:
8h33m49s
